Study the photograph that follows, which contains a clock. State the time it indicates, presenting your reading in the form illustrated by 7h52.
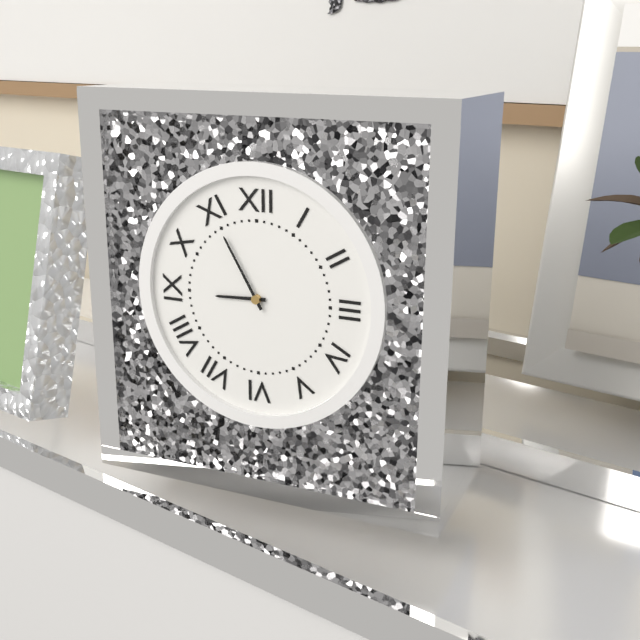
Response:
8h55
